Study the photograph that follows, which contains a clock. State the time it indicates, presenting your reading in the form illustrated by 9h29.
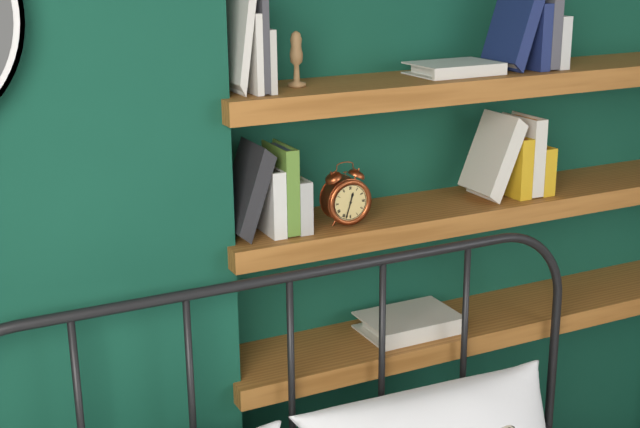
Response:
12h33
